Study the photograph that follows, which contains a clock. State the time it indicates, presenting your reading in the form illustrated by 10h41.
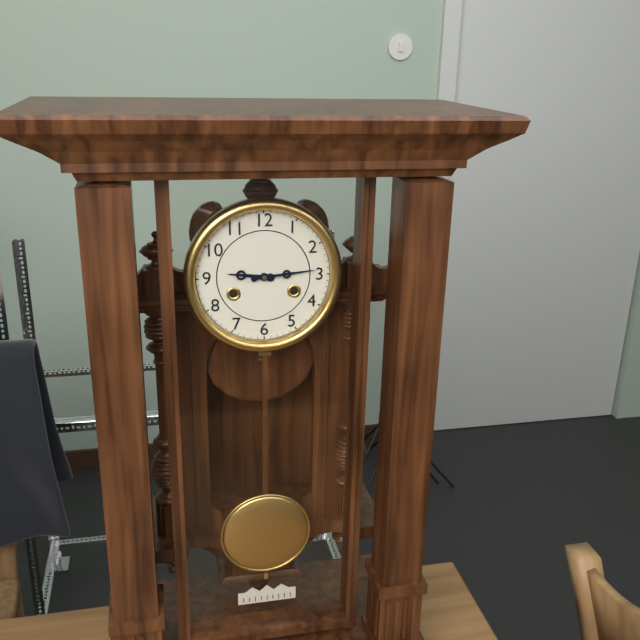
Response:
9h14
